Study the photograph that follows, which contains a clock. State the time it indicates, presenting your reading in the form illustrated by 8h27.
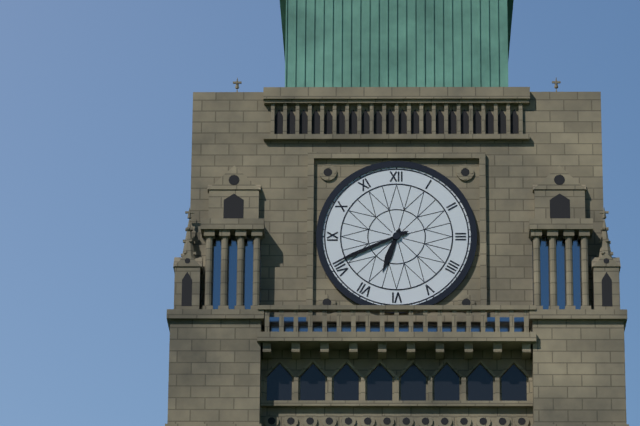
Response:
6h41
